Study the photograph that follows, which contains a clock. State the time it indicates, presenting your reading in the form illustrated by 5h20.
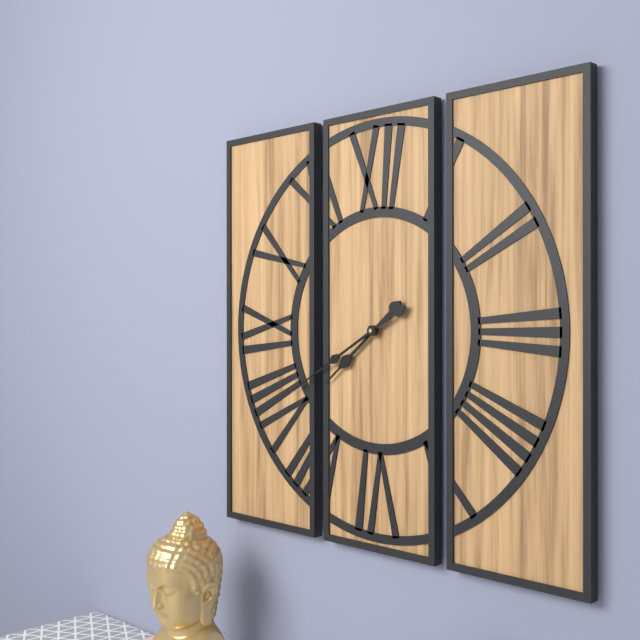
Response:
7h40
